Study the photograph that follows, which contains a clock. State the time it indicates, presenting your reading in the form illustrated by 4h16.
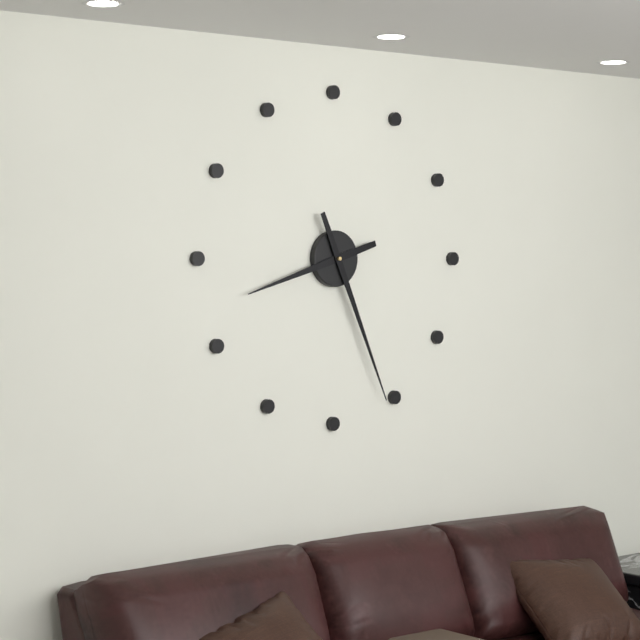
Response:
8h26
